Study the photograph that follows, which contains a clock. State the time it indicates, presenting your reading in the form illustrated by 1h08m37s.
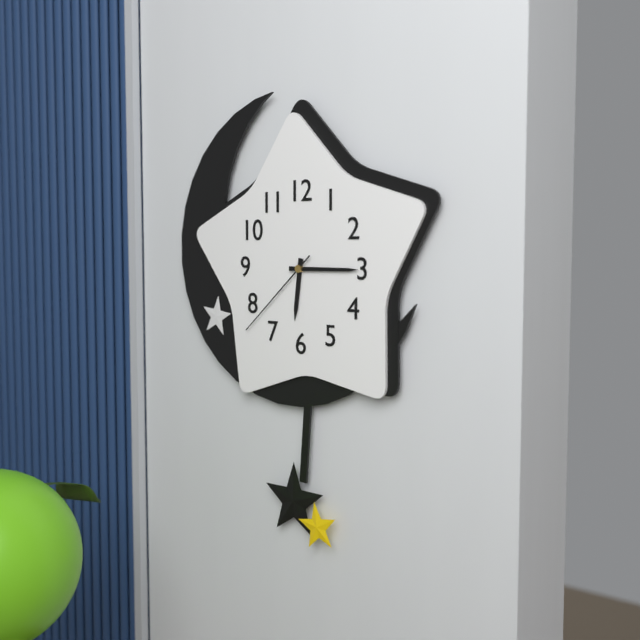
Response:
6h15m38s
